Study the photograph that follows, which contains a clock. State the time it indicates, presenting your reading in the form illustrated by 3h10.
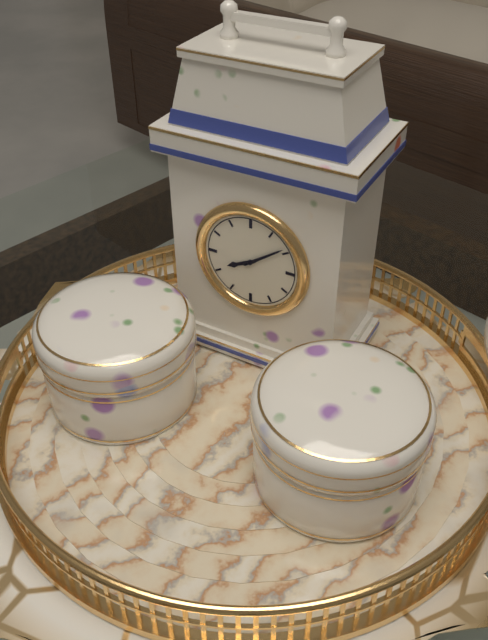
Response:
8h09
